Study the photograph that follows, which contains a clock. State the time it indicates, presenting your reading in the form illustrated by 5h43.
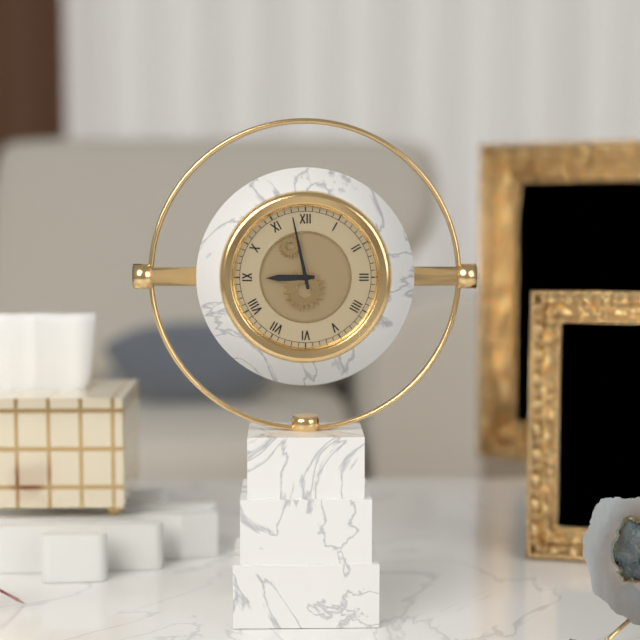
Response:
8h58
